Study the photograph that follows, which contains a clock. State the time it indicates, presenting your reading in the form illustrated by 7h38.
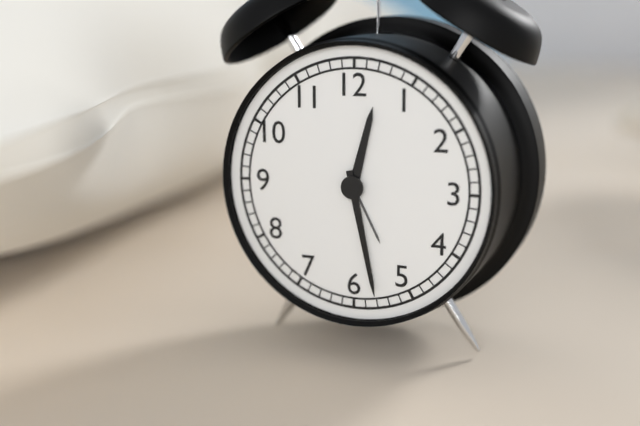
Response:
12h28
